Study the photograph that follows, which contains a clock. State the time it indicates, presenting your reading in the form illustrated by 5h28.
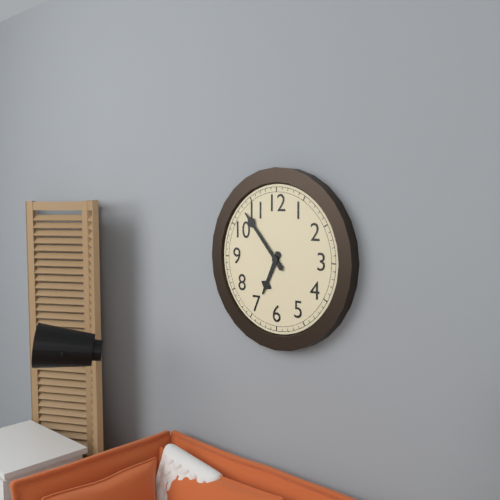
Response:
6h53
